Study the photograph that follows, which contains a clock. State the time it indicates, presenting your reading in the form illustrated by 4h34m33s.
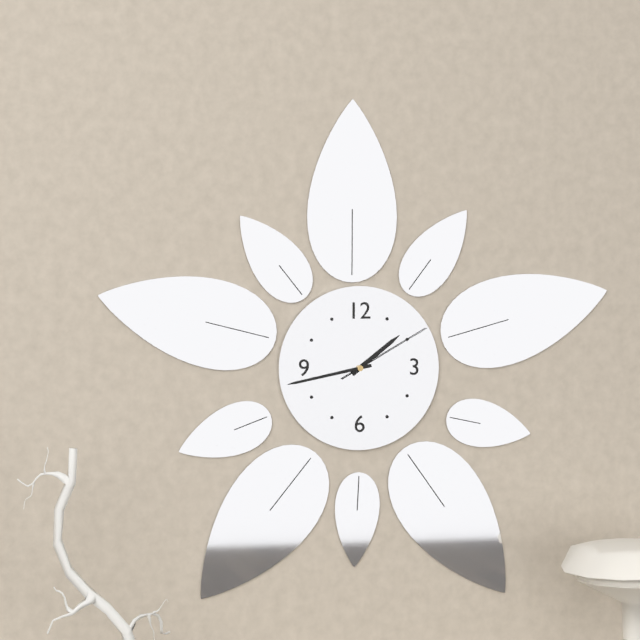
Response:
1h43m10s
